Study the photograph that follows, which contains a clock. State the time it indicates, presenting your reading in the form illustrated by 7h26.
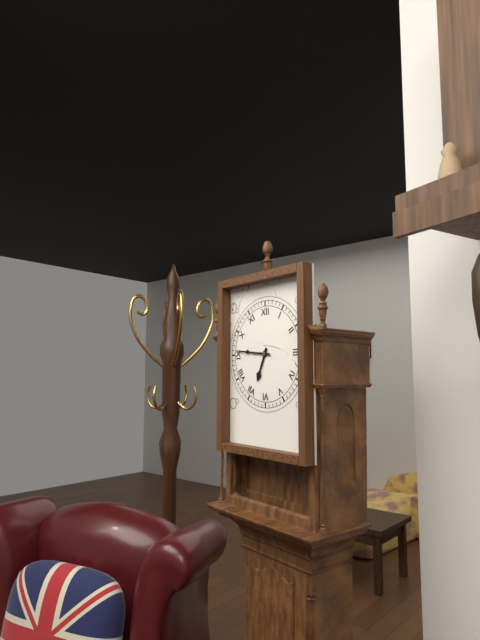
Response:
6h46
